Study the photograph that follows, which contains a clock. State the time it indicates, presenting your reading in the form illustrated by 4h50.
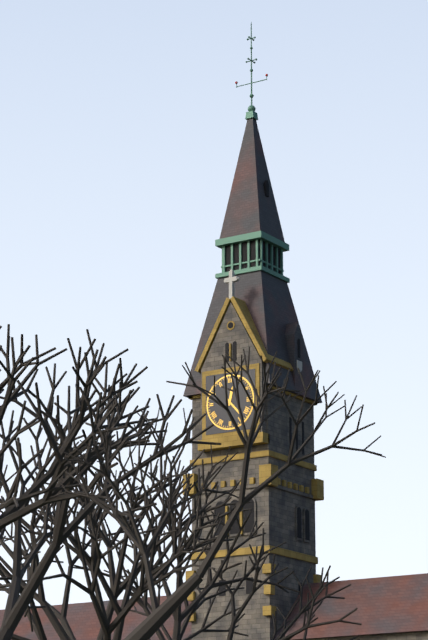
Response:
12h23
